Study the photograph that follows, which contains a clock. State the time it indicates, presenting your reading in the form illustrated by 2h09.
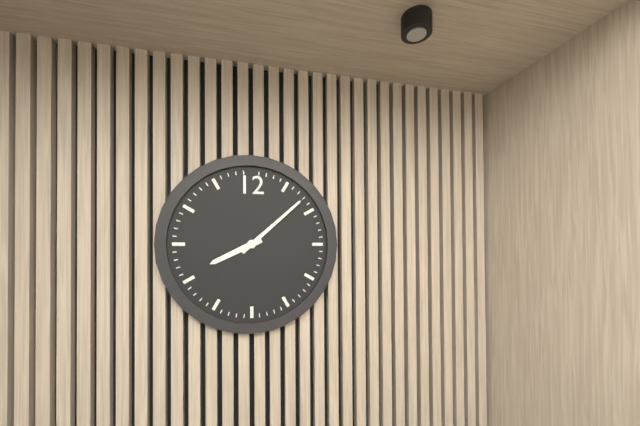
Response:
8h08
